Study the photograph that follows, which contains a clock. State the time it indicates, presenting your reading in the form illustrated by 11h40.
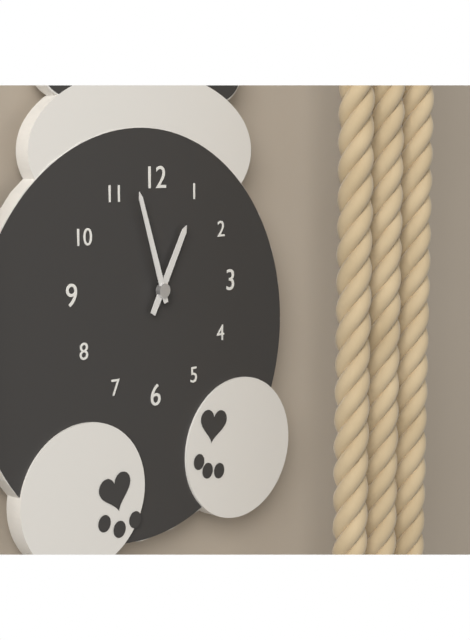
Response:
12h57
